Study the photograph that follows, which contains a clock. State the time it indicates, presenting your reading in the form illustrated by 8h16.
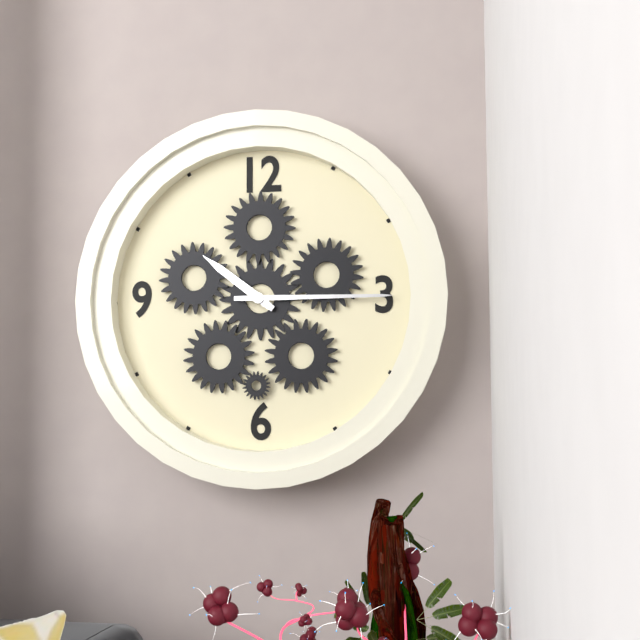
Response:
10h15
